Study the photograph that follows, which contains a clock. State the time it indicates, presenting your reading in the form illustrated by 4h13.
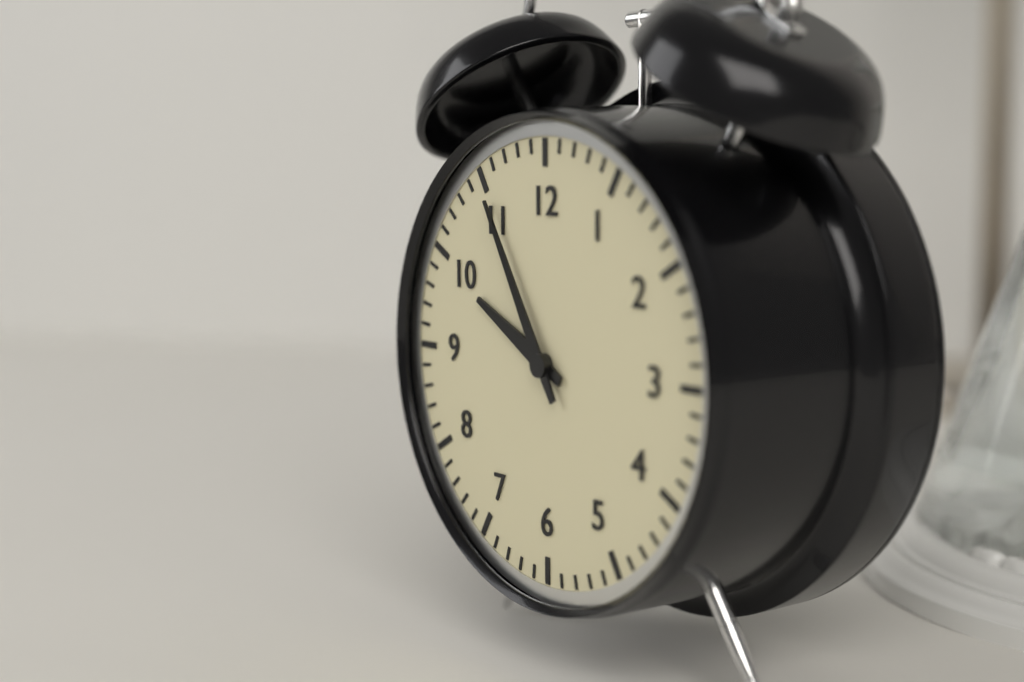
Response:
9h55
